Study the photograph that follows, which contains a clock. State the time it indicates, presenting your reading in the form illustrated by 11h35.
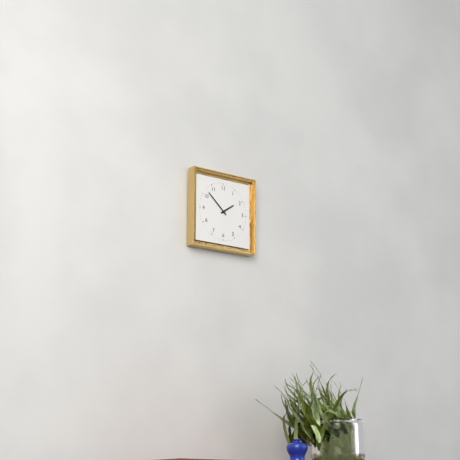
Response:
1h52
